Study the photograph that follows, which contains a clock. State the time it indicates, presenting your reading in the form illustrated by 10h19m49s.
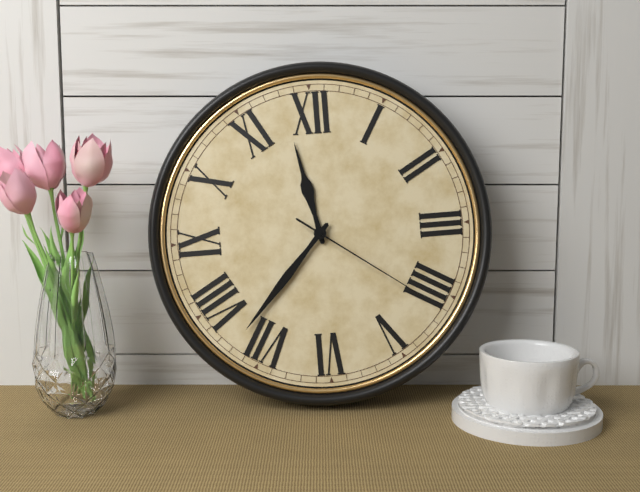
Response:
11h37m21s
